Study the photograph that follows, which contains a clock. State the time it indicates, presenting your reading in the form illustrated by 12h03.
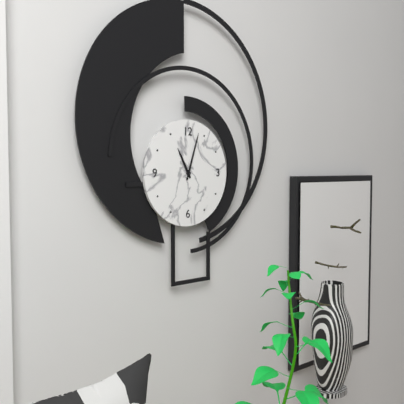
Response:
11h03
